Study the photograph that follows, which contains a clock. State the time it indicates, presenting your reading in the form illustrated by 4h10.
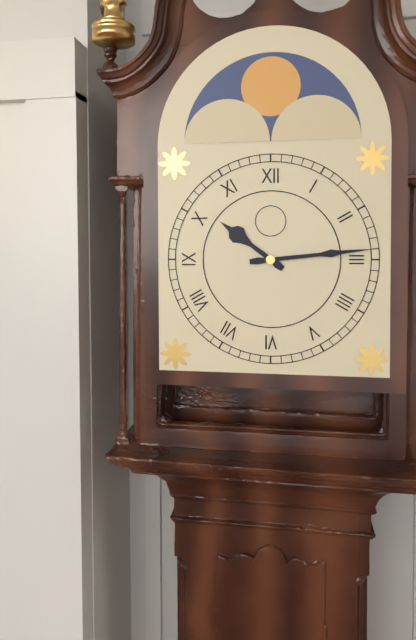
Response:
10h14
